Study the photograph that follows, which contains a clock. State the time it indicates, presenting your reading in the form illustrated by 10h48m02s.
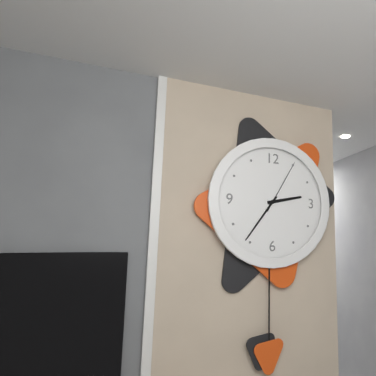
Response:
2h36m05s
